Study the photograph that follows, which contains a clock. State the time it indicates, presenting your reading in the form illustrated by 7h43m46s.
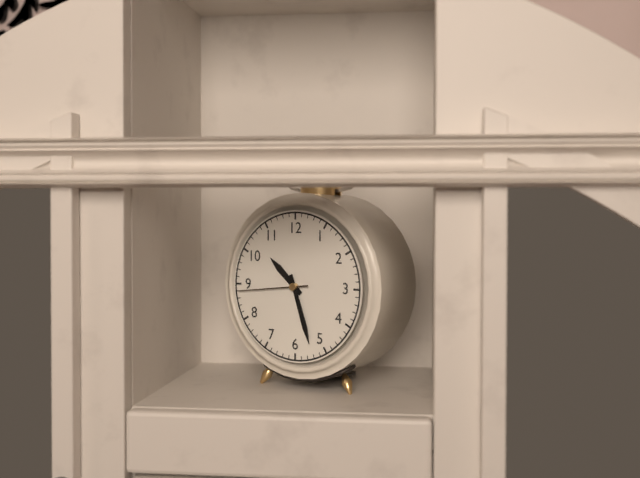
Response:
10h27m44s
